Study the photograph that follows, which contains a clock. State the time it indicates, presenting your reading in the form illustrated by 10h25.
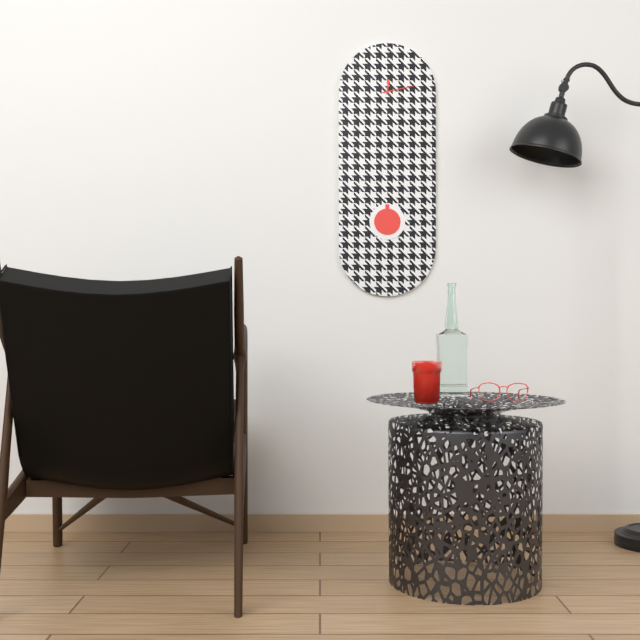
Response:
12h13
